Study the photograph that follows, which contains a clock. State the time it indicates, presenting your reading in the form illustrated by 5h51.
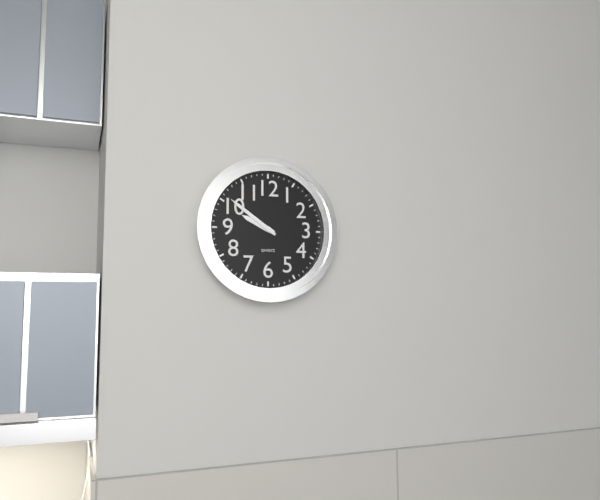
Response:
9h51
